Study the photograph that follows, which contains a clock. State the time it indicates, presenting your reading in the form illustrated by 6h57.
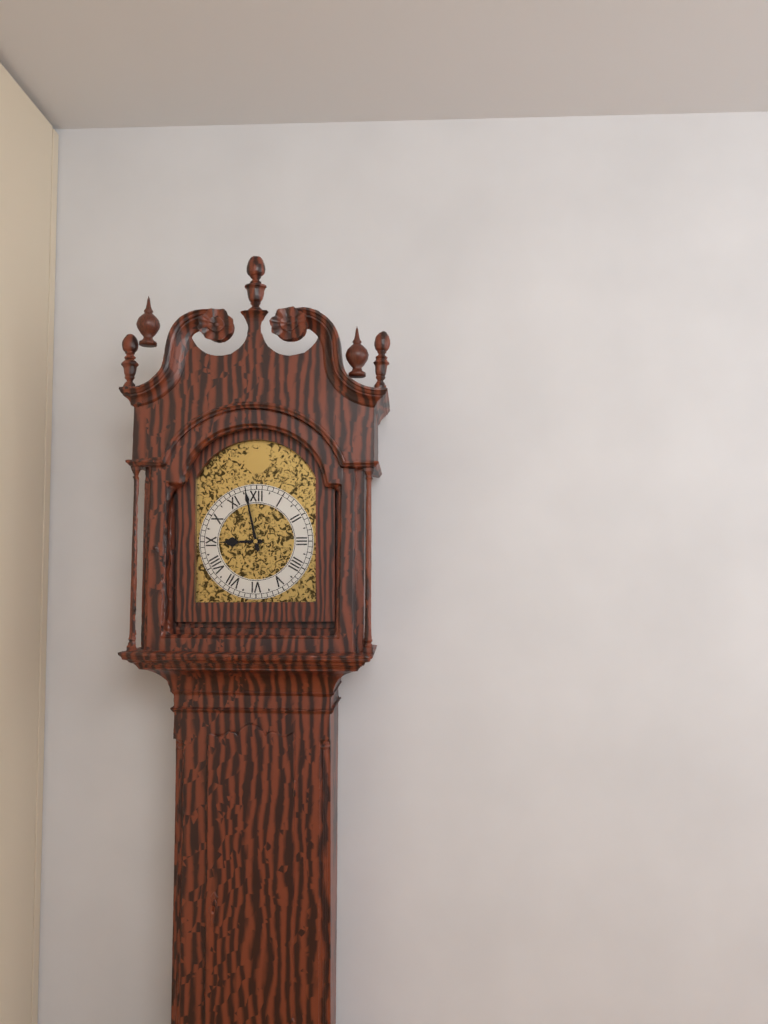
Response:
8h58
